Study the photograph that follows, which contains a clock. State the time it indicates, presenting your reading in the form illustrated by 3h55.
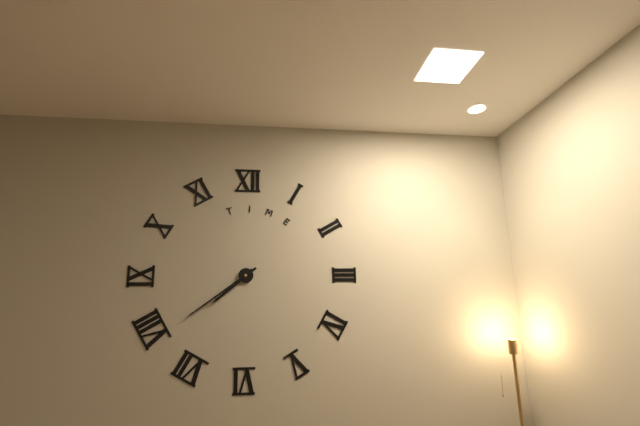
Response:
7h39
